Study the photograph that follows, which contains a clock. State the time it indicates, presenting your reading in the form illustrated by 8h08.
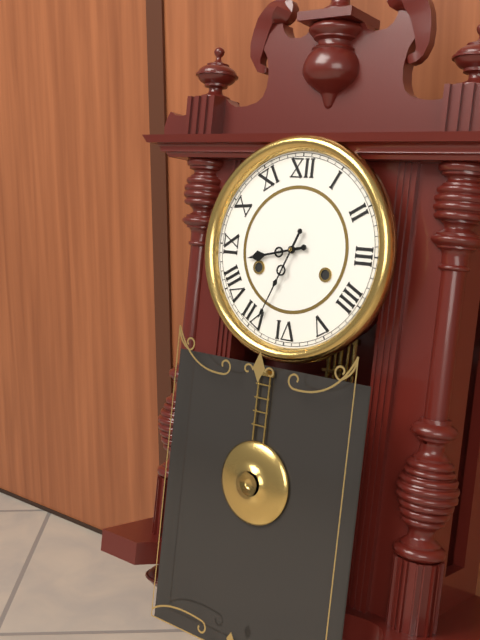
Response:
8h34
